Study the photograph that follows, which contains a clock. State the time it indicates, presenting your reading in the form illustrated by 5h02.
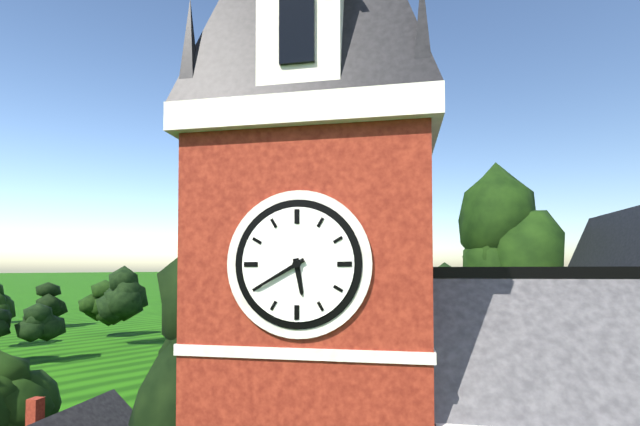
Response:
5h40
